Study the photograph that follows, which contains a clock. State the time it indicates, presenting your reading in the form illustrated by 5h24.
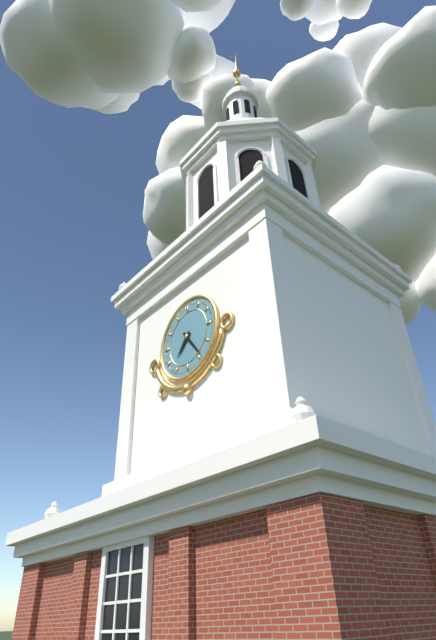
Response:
7h24
